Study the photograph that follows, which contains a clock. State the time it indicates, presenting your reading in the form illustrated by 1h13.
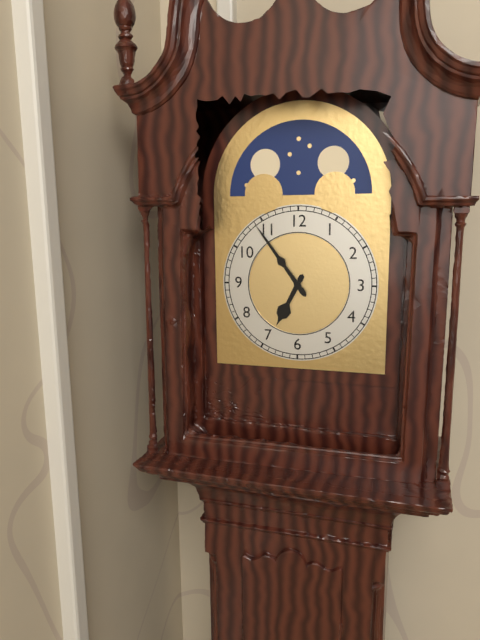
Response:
6h54
